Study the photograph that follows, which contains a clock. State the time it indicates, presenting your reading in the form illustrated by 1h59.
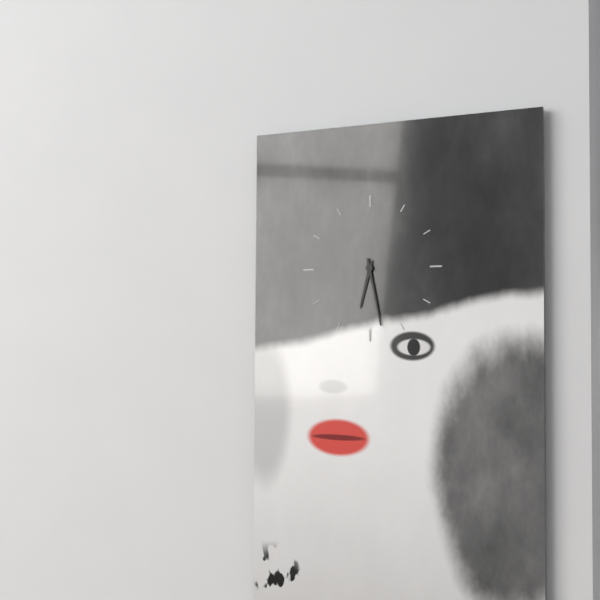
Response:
6h28
